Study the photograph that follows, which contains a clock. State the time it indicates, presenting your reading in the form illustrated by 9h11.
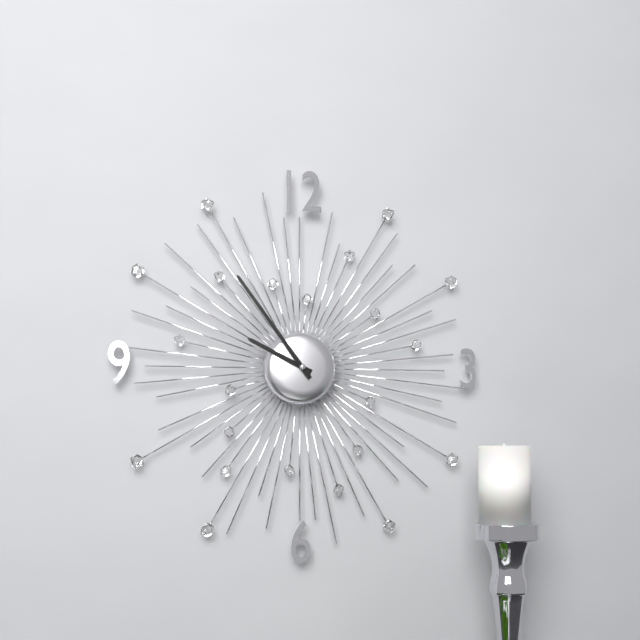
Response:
9h54
